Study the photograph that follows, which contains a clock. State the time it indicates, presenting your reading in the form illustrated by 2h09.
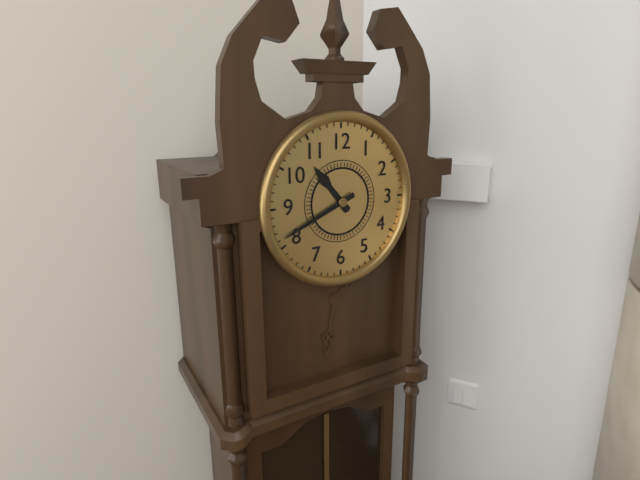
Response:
10h41
